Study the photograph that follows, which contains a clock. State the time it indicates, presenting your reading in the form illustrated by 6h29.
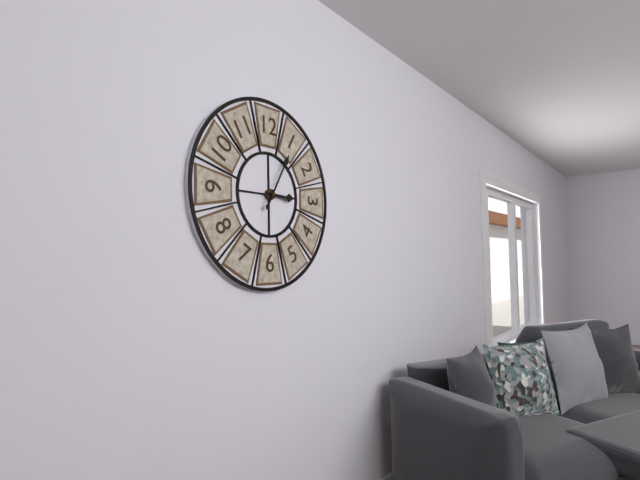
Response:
3h05
